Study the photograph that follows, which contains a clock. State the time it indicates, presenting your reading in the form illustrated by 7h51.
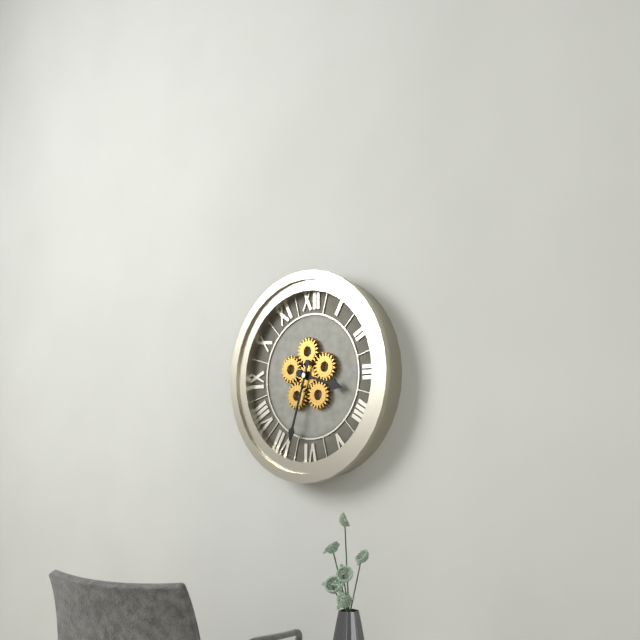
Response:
3h33
